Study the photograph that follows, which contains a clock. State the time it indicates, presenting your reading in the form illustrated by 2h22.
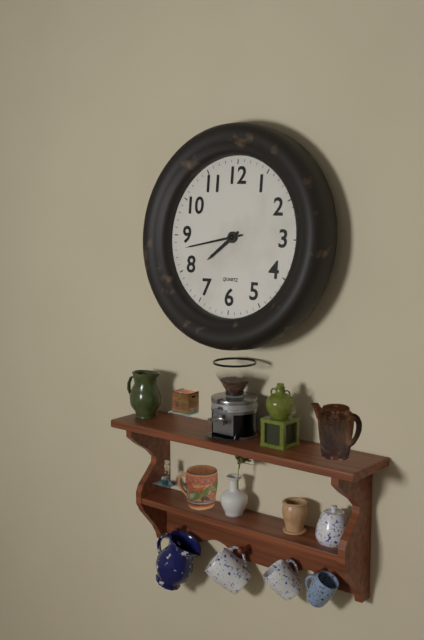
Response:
7h43
